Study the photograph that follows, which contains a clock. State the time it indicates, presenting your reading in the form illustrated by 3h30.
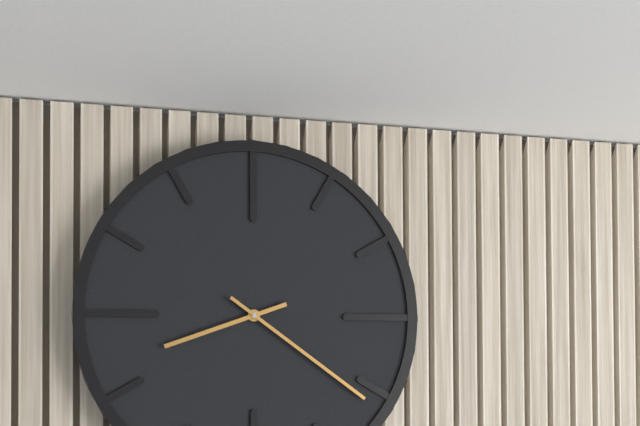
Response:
8h21
